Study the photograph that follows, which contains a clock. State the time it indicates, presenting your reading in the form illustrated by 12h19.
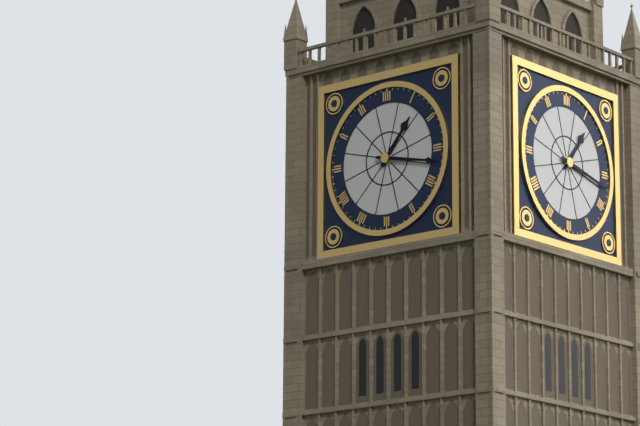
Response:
1h17
